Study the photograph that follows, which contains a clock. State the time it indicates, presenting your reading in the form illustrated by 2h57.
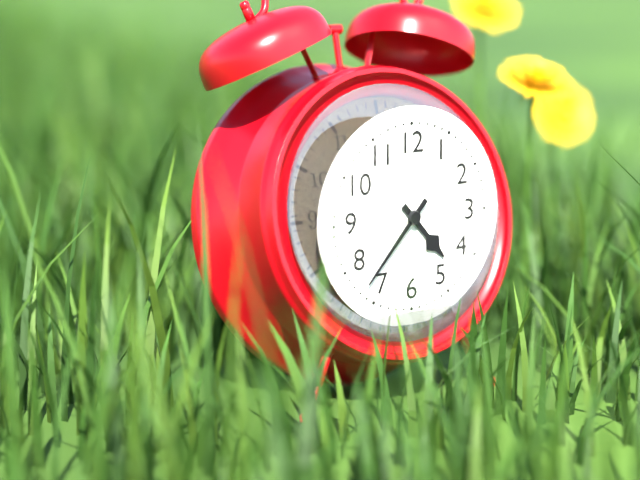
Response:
4h37
